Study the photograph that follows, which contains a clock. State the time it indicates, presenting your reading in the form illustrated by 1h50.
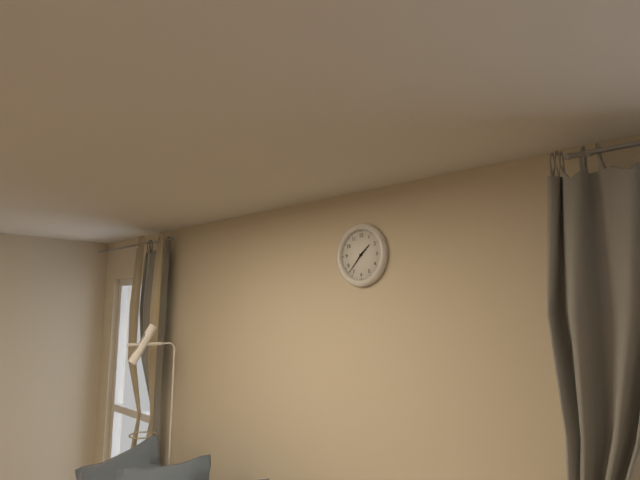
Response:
1h37
